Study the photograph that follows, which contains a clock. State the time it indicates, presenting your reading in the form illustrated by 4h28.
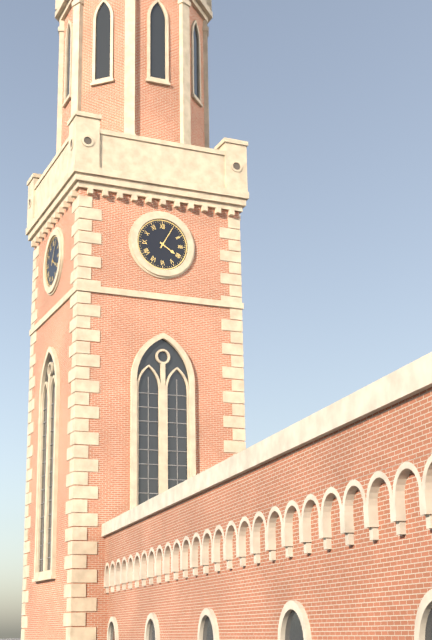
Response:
4h05
